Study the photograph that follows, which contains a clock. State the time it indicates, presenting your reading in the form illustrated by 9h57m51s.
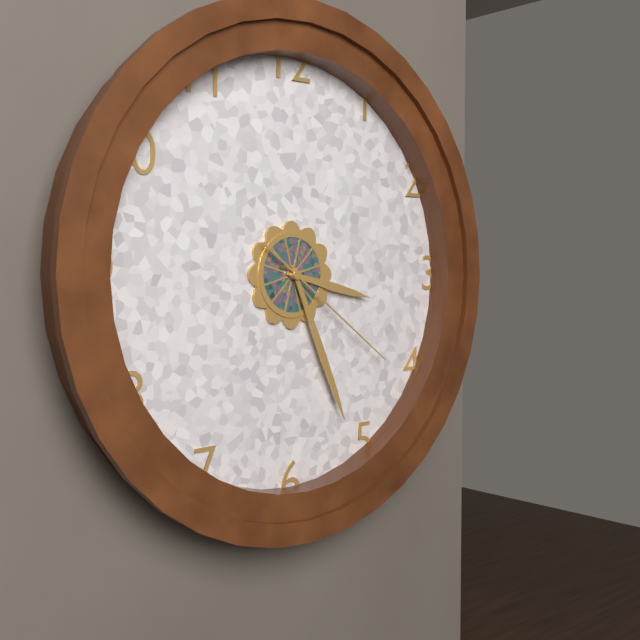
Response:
3h26m21s
